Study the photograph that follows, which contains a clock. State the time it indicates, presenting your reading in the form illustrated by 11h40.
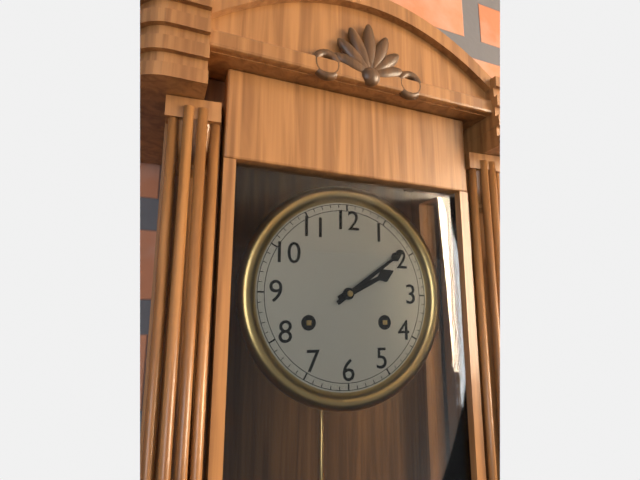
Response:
2h09
